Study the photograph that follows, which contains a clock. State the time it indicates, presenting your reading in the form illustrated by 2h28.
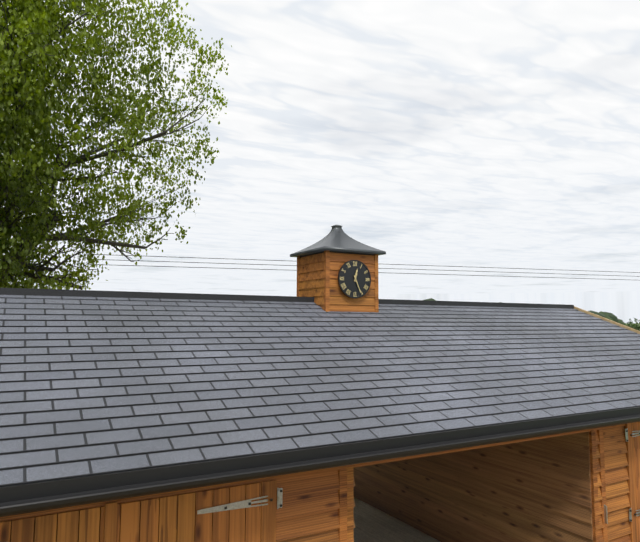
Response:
12h26
